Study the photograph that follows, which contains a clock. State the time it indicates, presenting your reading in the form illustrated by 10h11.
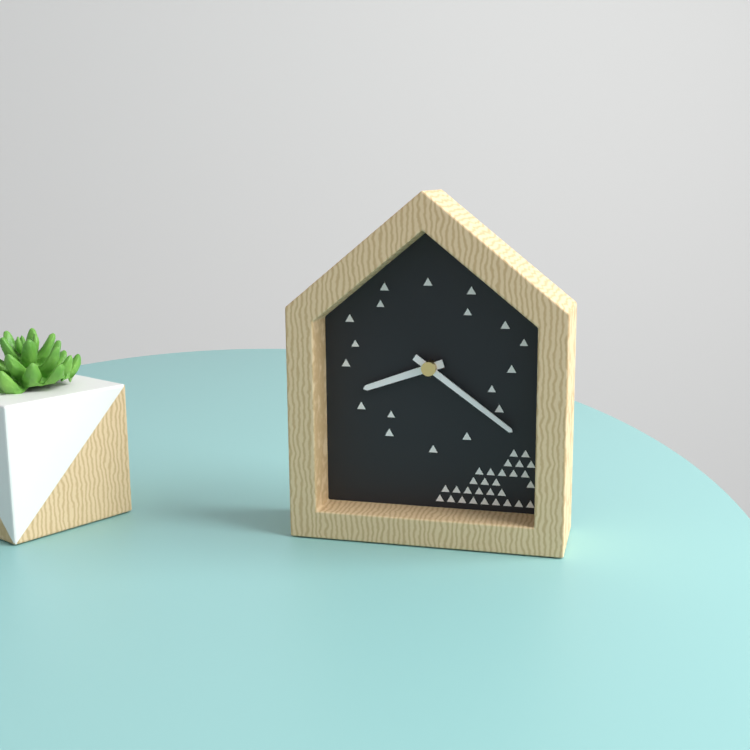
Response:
8h21
